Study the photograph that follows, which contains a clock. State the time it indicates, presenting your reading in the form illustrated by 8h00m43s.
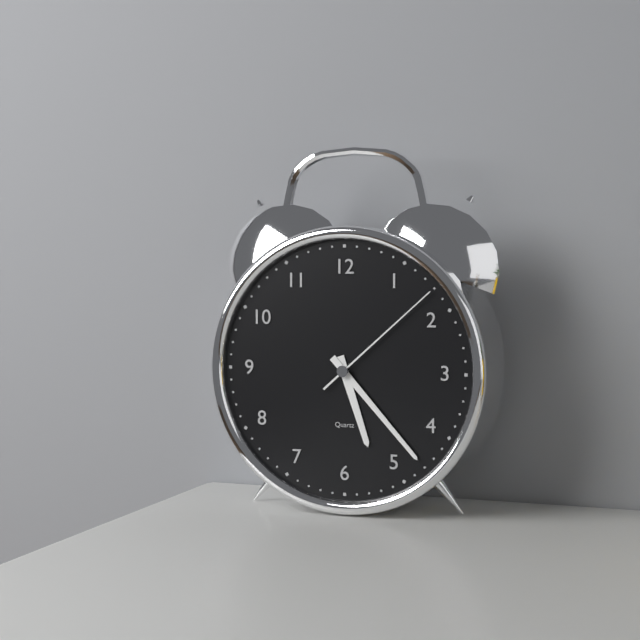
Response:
5h23m08s
